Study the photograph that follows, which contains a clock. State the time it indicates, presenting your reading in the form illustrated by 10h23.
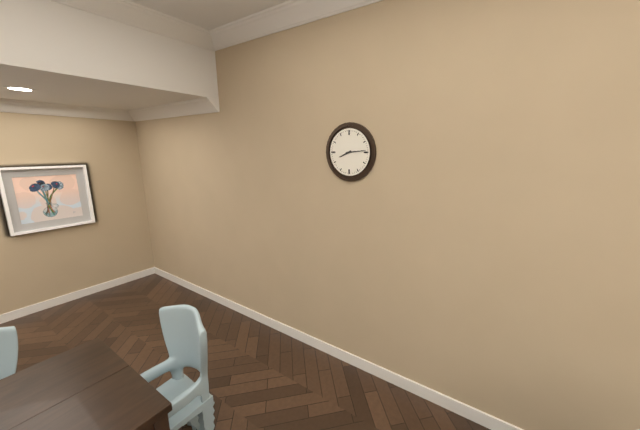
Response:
8h14
